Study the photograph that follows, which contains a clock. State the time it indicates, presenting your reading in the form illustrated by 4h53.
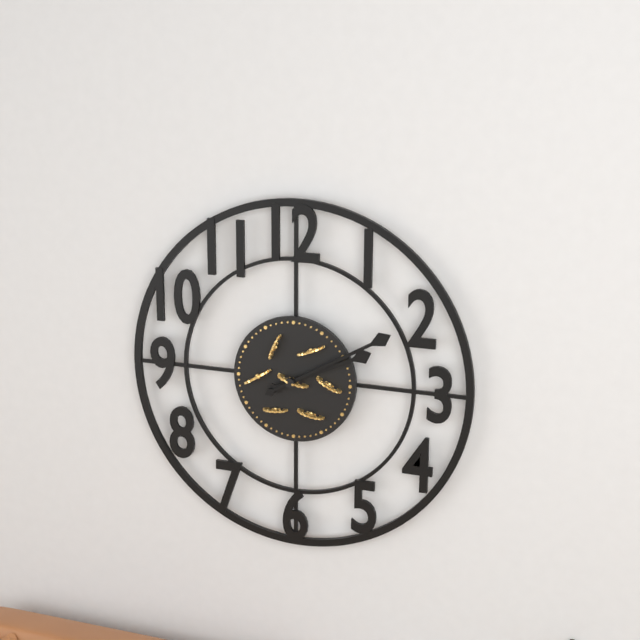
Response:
2h10
